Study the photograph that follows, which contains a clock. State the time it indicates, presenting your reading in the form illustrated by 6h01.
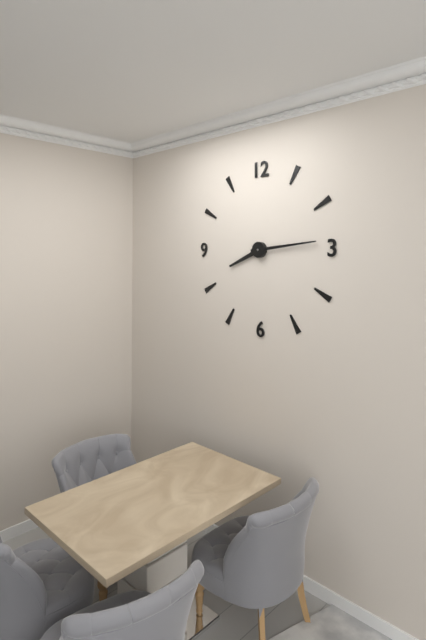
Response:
8h14
